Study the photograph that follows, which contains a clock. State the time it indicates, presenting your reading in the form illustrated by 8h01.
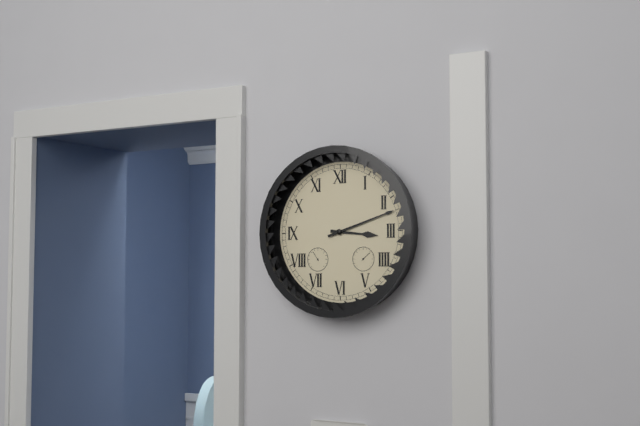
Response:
3h12
